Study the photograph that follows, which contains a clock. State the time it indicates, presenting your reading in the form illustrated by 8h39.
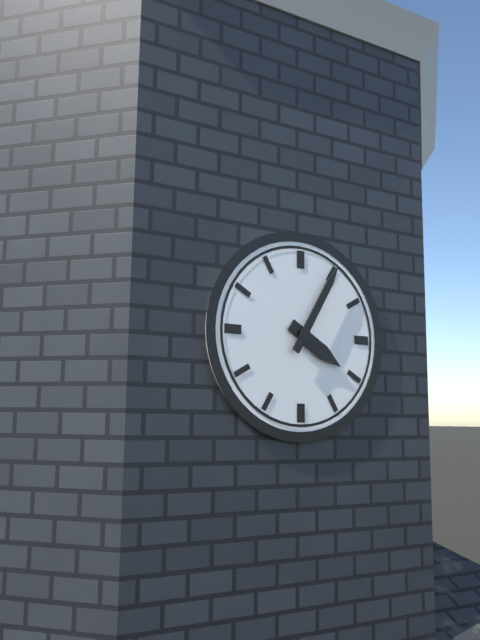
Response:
4h05
